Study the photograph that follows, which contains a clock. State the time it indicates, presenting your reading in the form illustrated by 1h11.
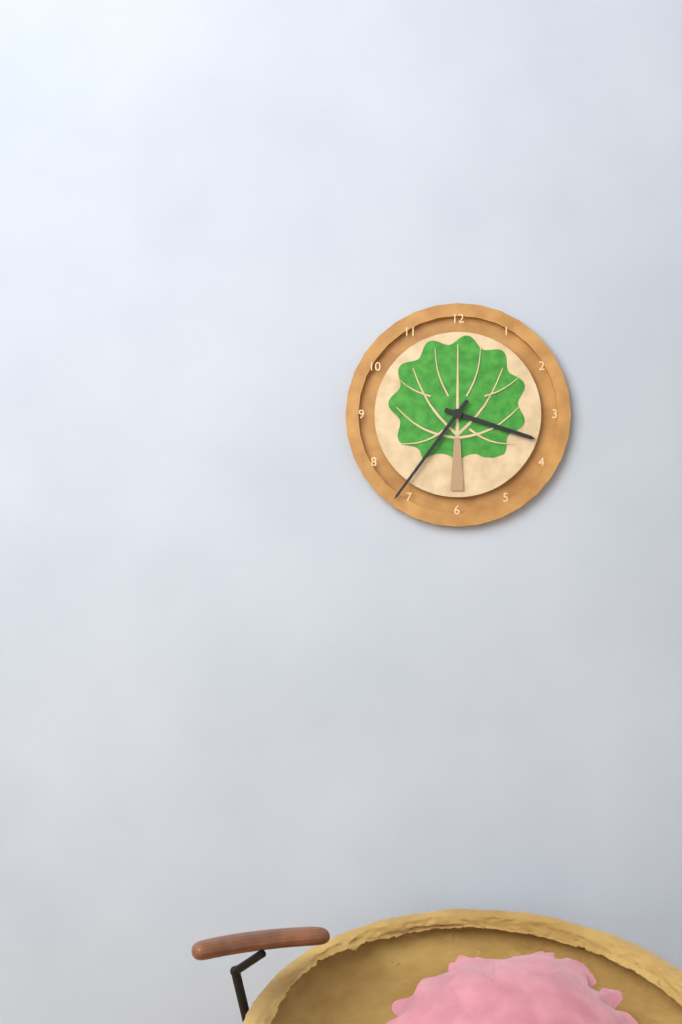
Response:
3h36
